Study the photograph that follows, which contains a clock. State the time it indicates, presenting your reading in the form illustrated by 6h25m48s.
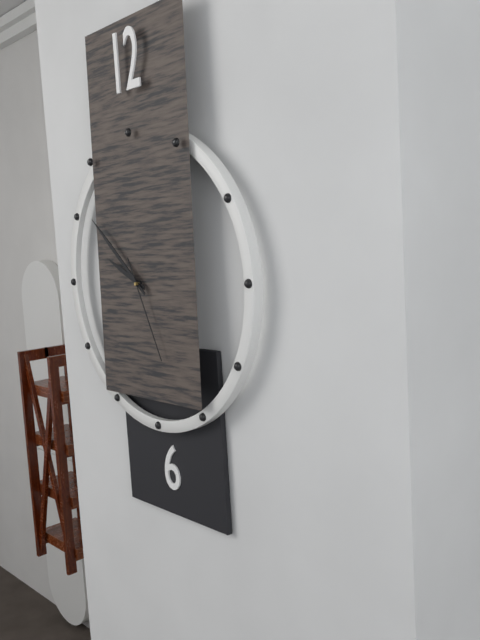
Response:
9h52m26s
